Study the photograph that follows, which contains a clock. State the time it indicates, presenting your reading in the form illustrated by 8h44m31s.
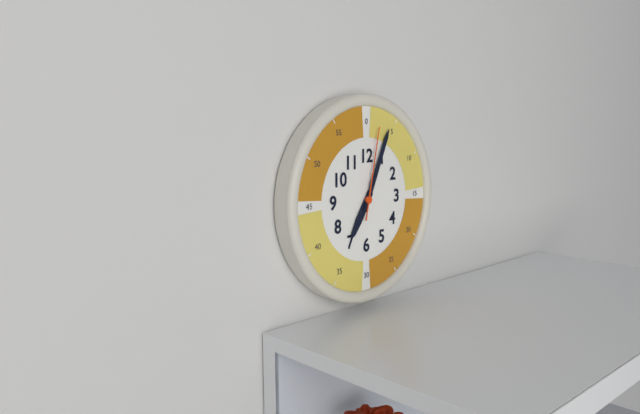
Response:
7h04m02s
